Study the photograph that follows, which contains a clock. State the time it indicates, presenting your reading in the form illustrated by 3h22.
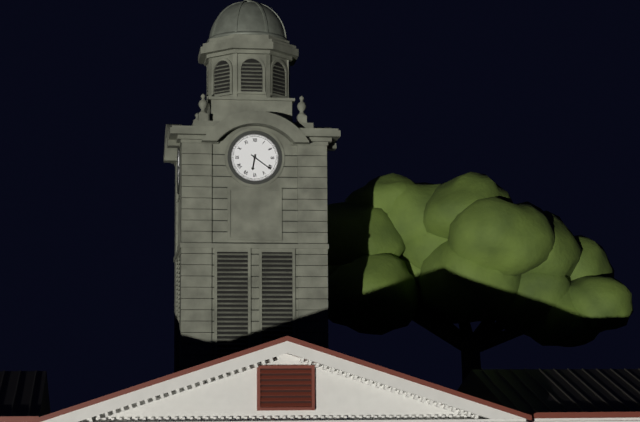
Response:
6h21
